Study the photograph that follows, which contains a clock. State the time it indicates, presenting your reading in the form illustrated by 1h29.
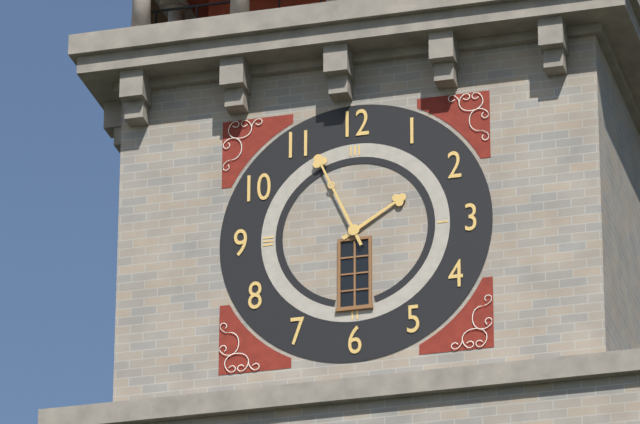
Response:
1h56
